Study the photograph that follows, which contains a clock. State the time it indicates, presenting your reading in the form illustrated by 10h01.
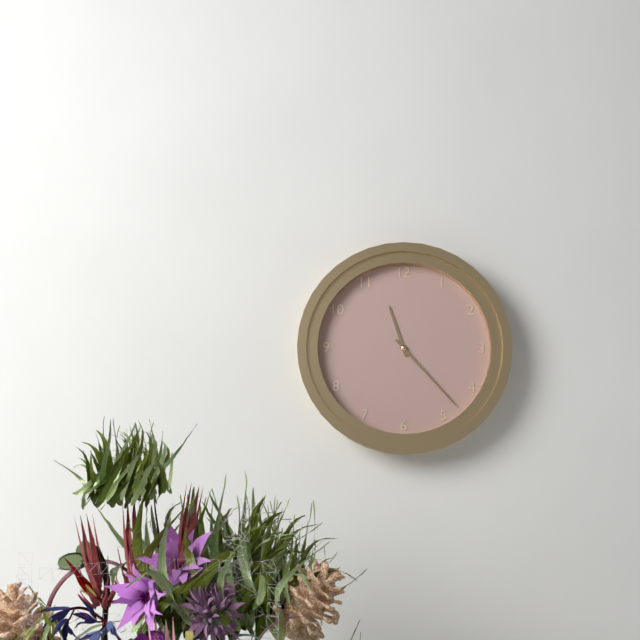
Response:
11h23
